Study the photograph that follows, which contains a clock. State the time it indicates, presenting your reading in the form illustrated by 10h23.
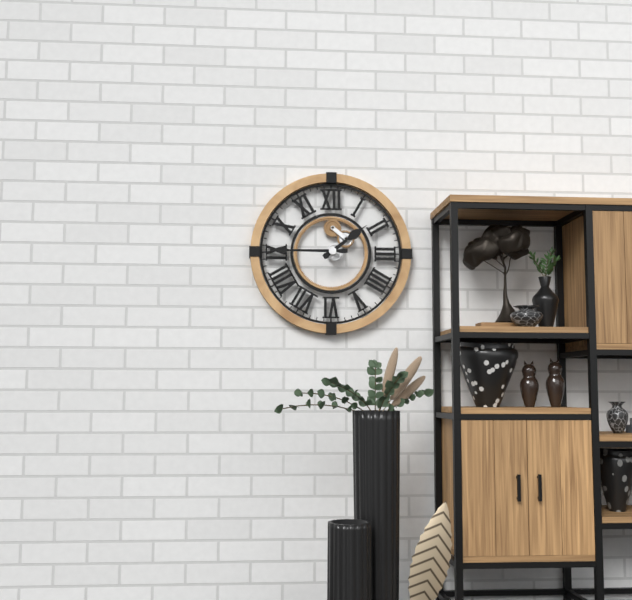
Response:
1h45
